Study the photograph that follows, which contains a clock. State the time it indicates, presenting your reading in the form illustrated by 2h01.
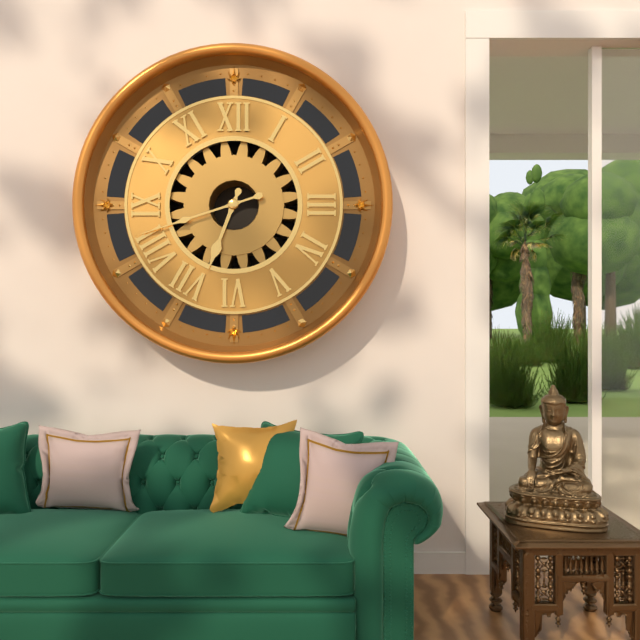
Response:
6h42
